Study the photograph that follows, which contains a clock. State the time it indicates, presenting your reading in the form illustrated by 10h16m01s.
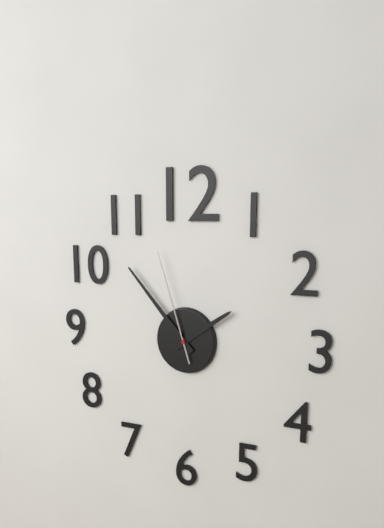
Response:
1h53m57s
